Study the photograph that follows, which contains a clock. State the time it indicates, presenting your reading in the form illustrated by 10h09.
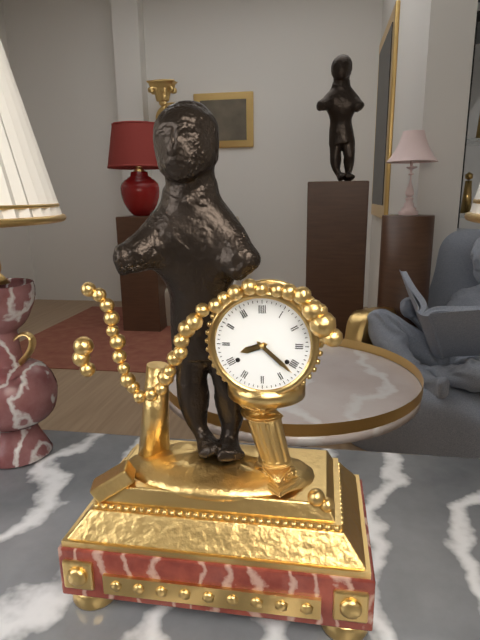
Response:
8h22
